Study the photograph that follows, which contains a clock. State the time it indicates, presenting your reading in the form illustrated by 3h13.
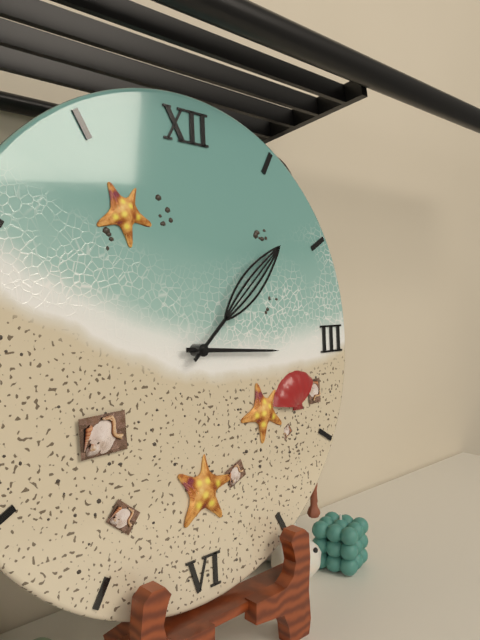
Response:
3h08
